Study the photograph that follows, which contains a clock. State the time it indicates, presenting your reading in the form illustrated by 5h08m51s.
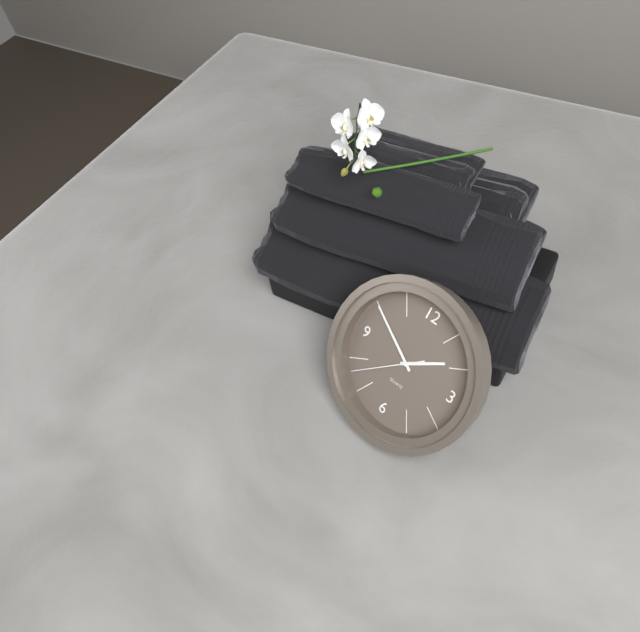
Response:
1h50m38s
